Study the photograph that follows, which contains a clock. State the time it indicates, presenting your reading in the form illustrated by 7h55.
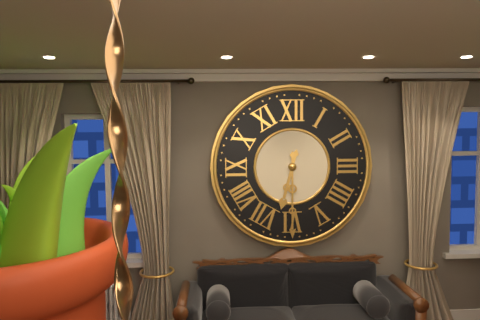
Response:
6h30
